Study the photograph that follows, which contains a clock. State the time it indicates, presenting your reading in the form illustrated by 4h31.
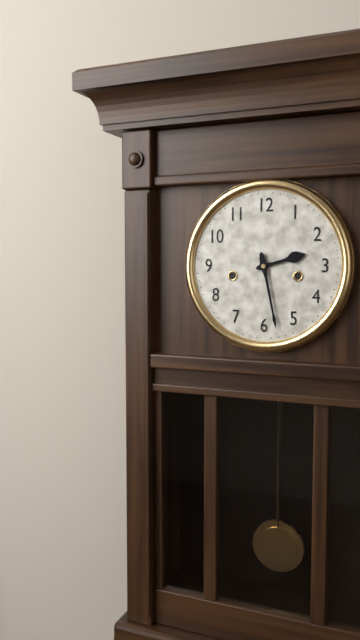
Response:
2h28
